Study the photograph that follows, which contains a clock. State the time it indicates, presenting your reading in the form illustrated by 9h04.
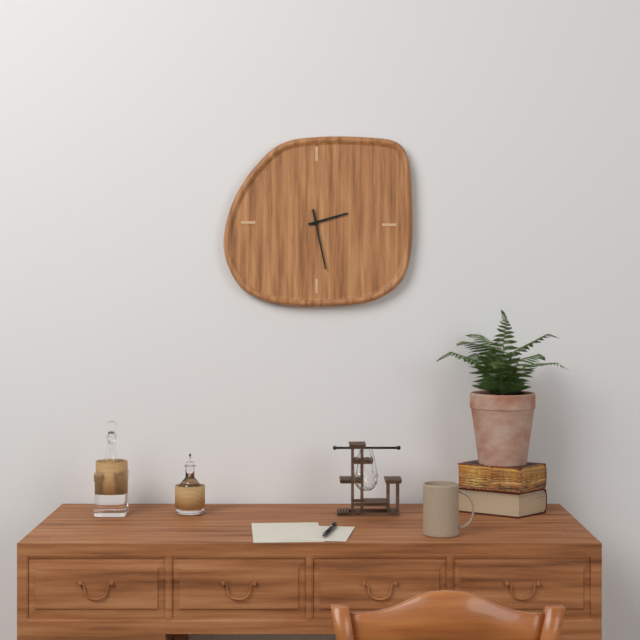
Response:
2h28
